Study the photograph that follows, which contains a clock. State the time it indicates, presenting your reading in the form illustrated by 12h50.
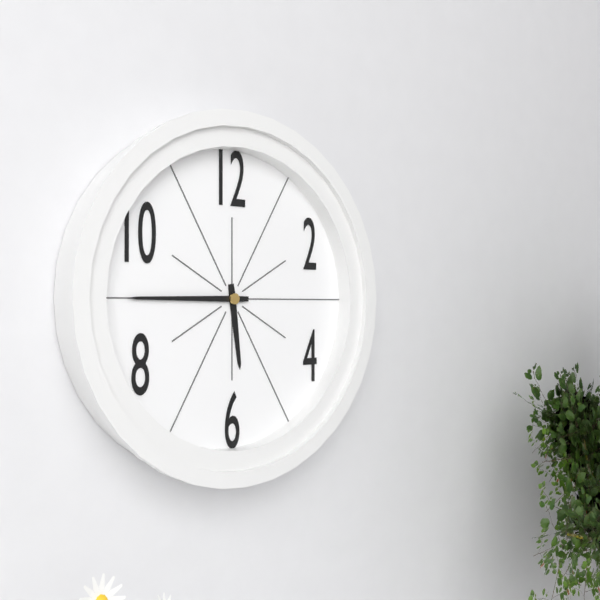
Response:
5h45
